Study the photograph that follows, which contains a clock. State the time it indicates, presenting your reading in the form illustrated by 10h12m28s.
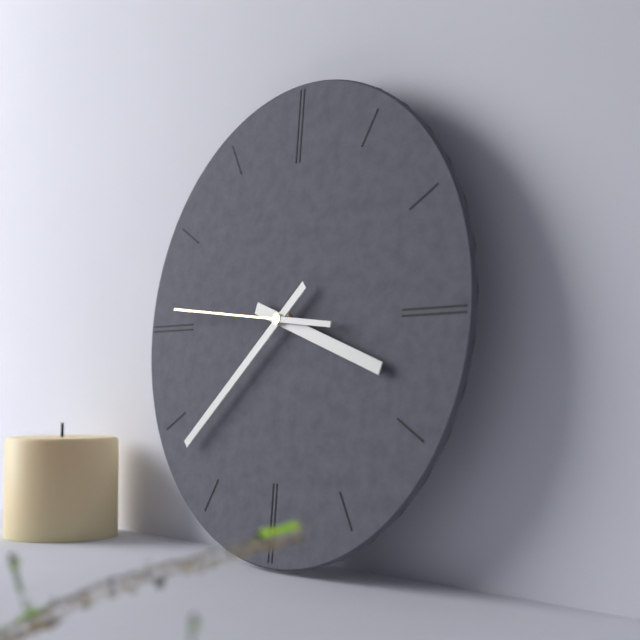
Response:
3h38m46s
